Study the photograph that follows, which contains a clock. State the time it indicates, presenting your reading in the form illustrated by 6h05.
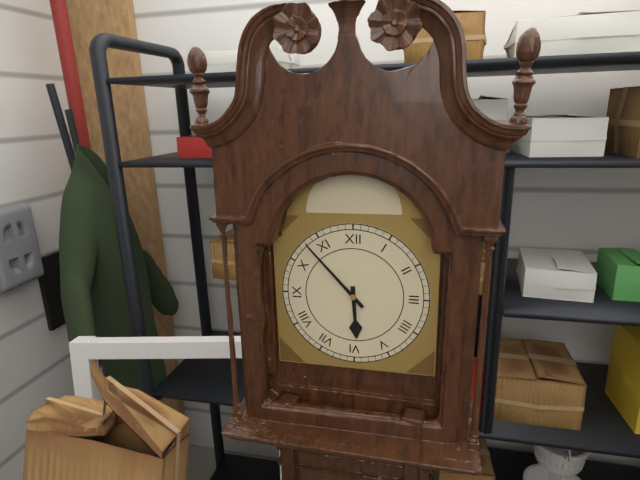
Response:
5h53
